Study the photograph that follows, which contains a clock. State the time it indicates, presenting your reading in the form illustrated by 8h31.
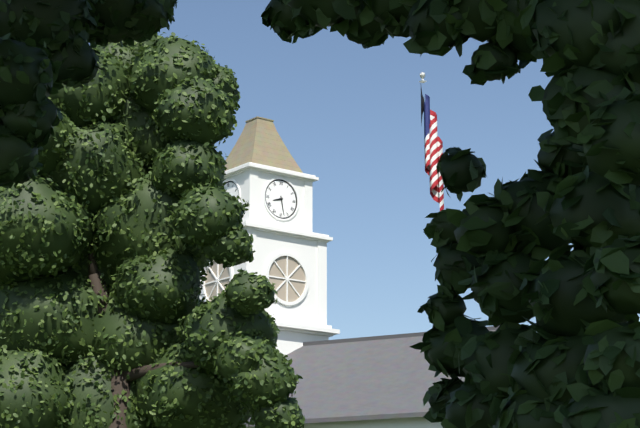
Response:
8h28
